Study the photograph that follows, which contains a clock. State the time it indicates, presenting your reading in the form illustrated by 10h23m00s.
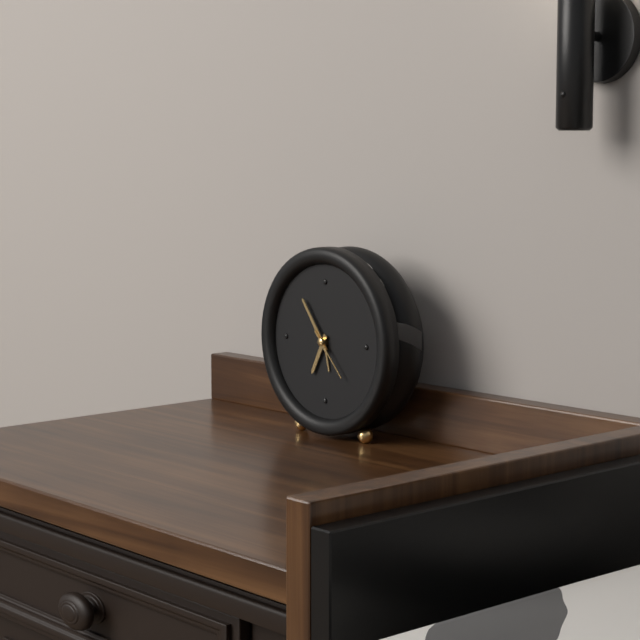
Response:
6h54m23s
